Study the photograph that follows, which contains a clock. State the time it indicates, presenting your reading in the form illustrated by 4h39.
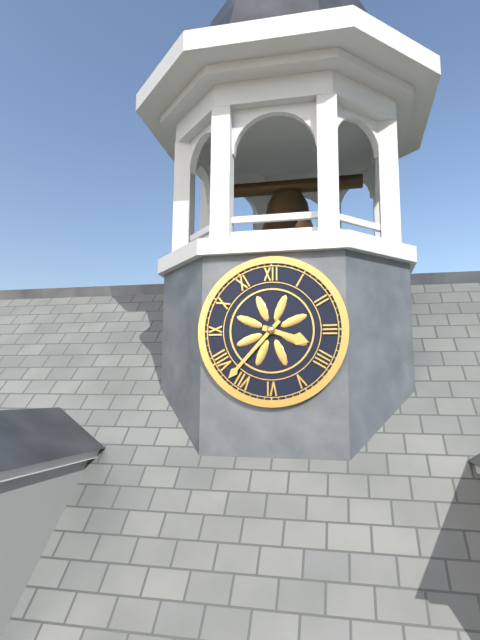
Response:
3h37
